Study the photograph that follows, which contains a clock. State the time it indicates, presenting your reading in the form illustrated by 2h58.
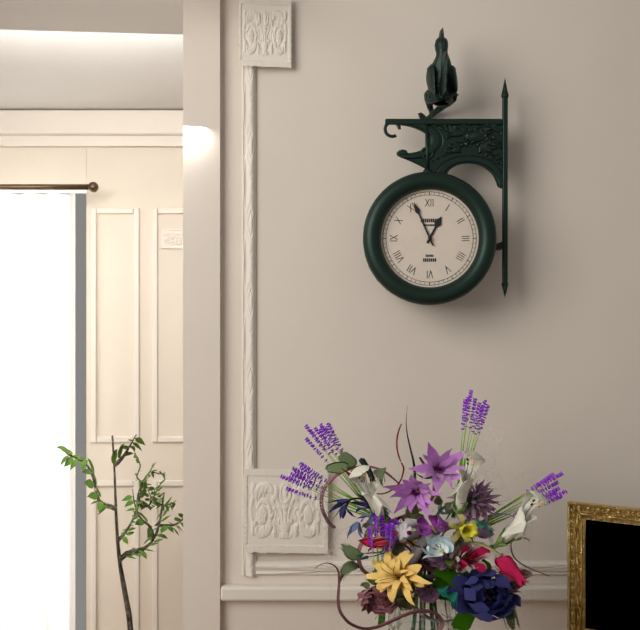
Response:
12h56
